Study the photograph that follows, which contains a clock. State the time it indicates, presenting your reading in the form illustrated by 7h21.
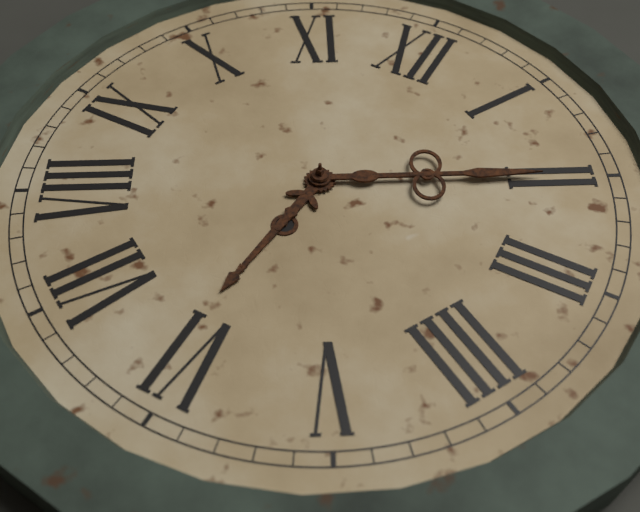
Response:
6h10
